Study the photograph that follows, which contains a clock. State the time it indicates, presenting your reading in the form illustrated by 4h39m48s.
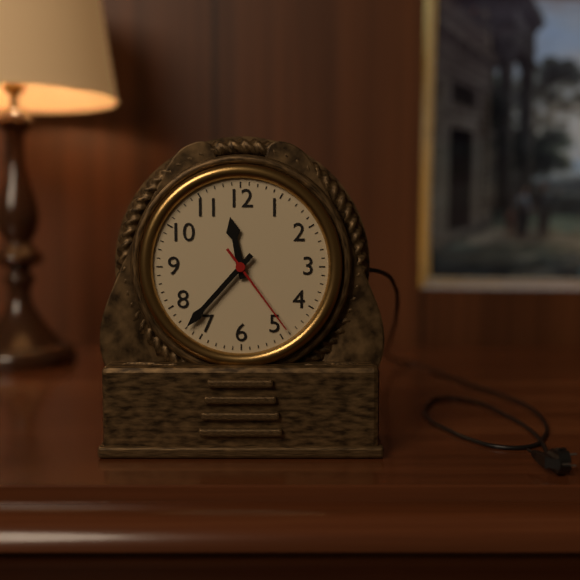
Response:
11h37m24s
